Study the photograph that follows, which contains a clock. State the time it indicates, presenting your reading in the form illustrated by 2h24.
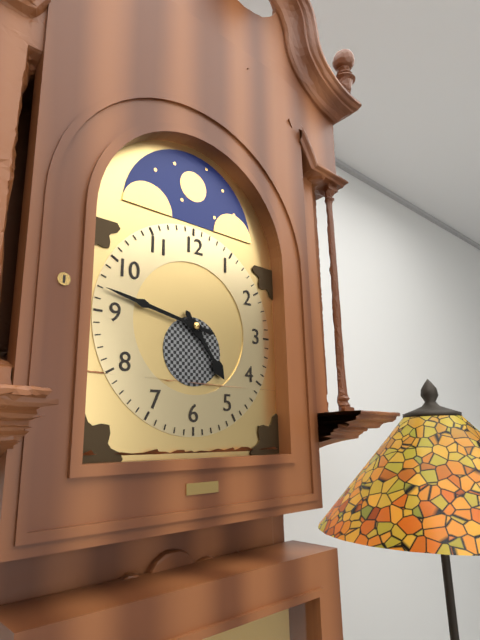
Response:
4h47
